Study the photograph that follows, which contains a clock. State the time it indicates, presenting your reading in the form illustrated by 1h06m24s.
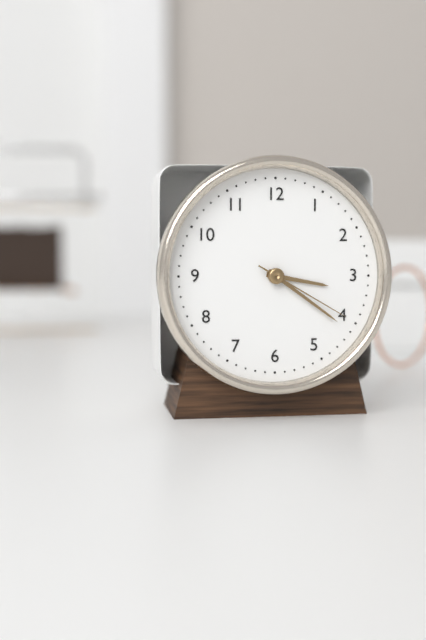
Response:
3h21m20s
